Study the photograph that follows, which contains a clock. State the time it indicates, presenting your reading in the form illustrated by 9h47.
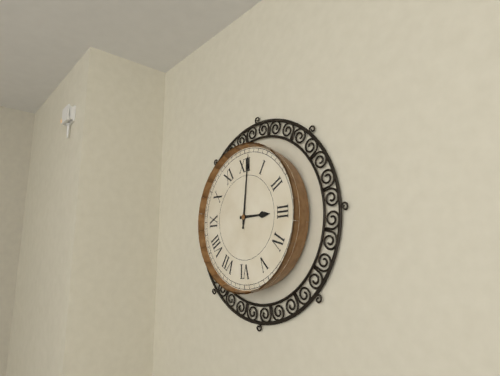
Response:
3h01
